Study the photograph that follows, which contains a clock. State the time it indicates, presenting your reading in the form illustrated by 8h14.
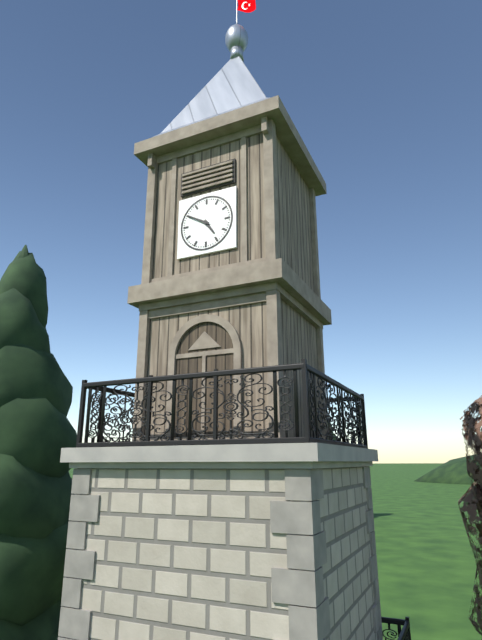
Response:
4h50
